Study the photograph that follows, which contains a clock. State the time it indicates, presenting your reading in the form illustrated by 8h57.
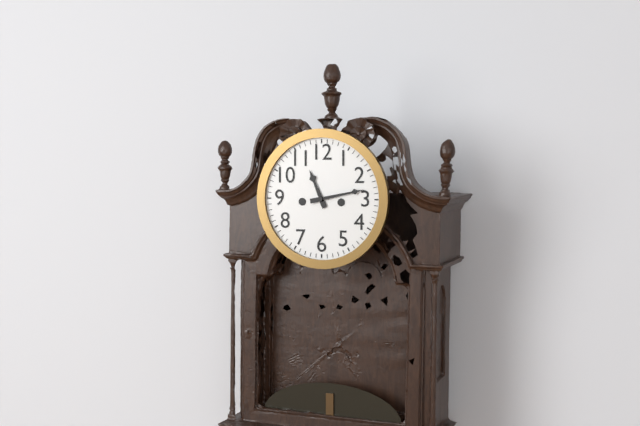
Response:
11h13
